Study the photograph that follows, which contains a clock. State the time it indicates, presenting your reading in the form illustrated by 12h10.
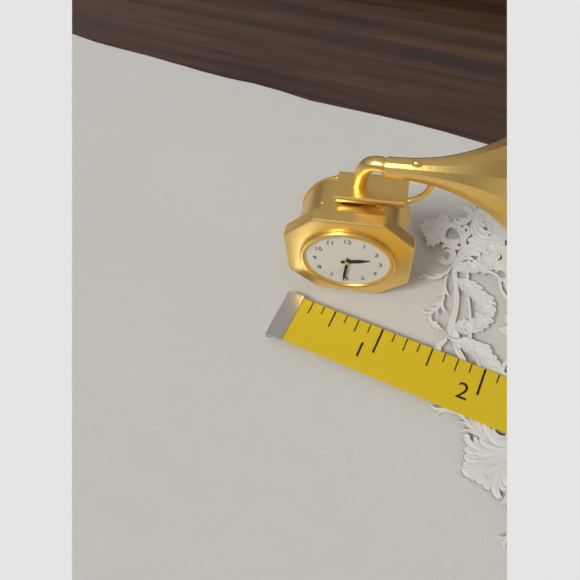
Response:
2h31
